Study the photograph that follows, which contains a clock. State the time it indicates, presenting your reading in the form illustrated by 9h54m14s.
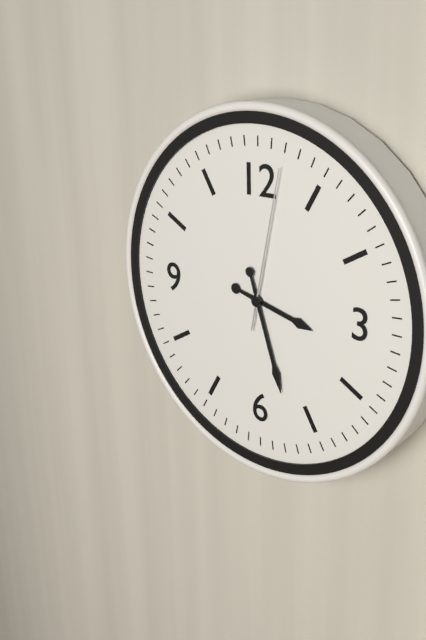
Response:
3h27m02s
